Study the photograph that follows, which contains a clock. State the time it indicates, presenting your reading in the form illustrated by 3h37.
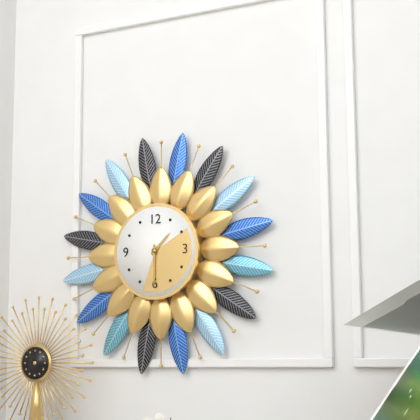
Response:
1h30
